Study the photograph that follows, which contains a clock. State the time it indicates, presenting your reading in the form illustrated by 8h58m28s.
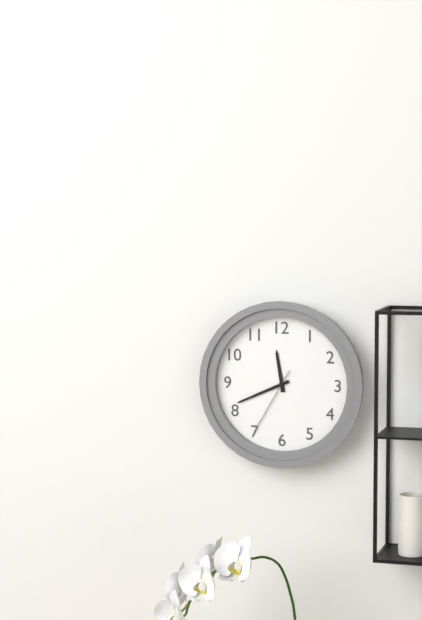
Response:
11h41m35s
